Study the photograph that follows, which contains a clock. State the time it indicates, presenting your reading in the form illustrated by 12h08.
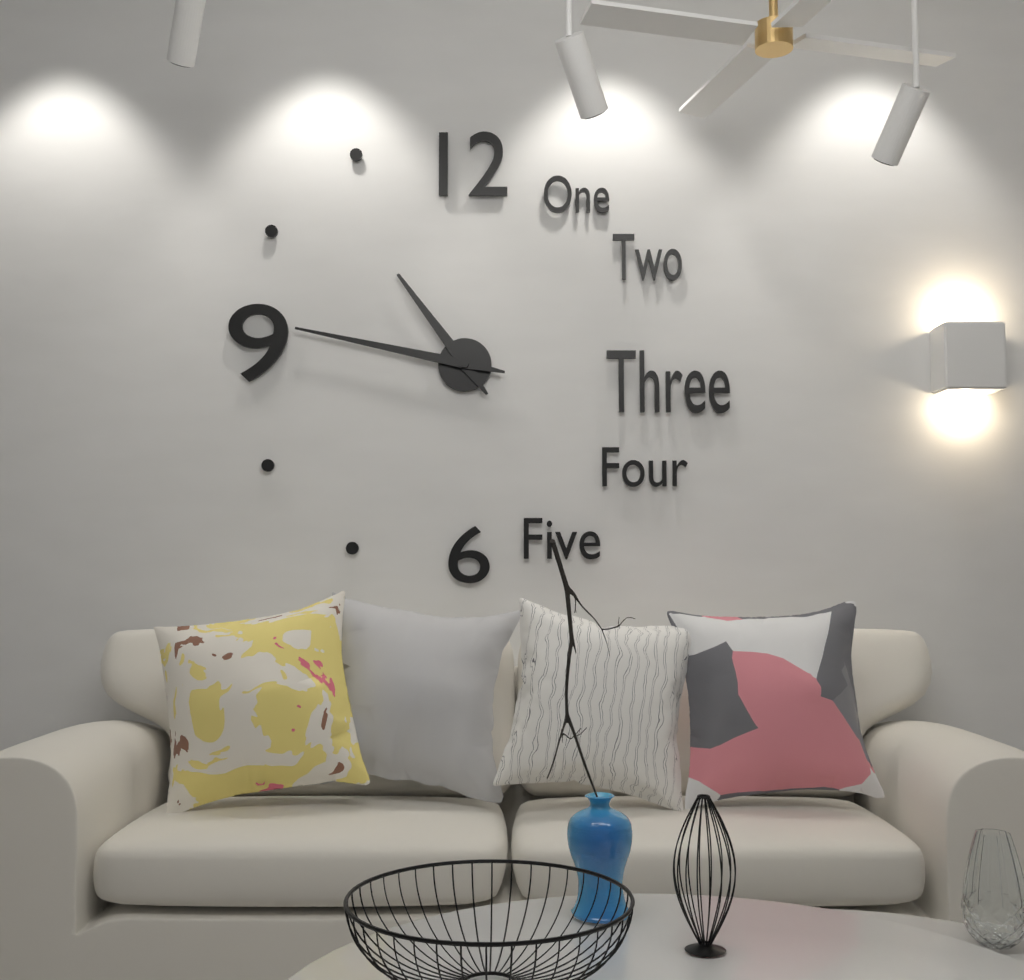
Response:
10h47
